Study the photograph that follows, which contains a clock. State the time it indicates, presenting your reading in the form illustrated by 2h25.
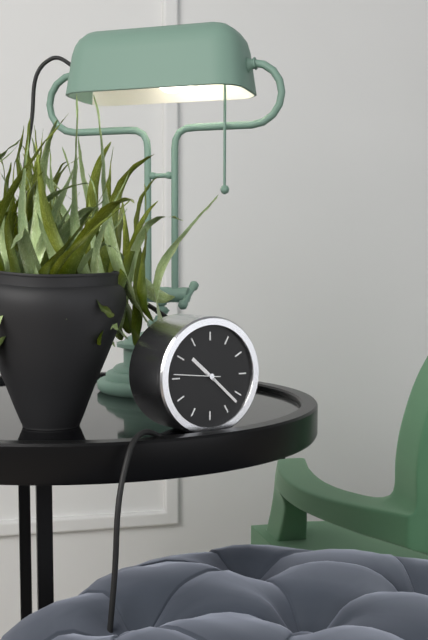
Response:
10h22
